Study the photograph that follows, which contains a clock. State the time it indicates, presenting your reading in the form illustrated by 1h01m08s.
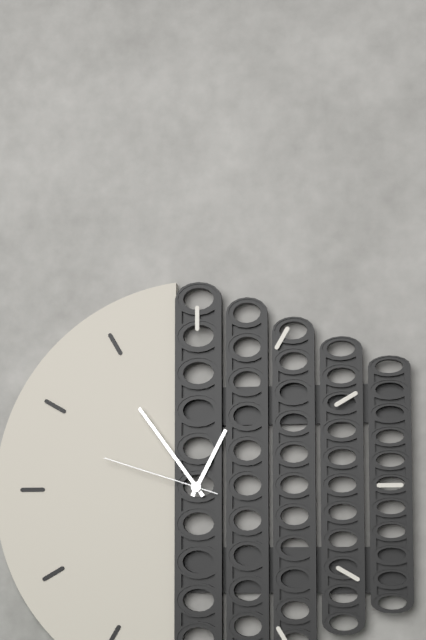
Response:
12h54m48s
